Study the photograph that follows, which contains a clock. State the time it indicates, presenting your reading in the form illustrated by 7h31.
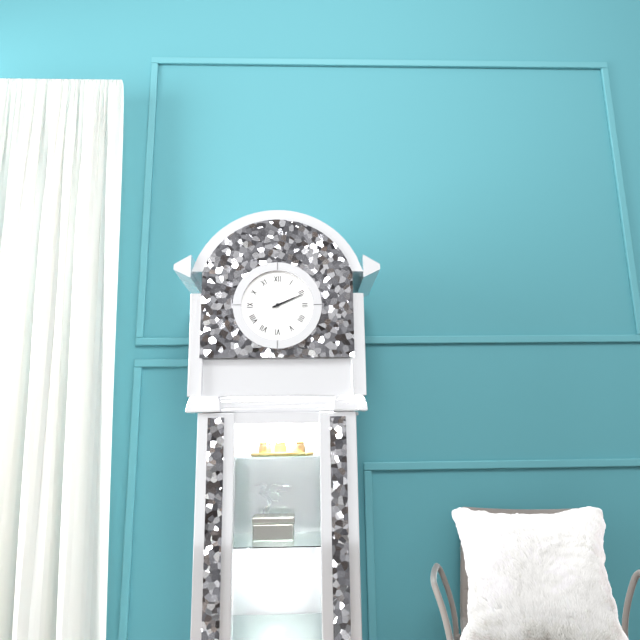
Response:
2h11
